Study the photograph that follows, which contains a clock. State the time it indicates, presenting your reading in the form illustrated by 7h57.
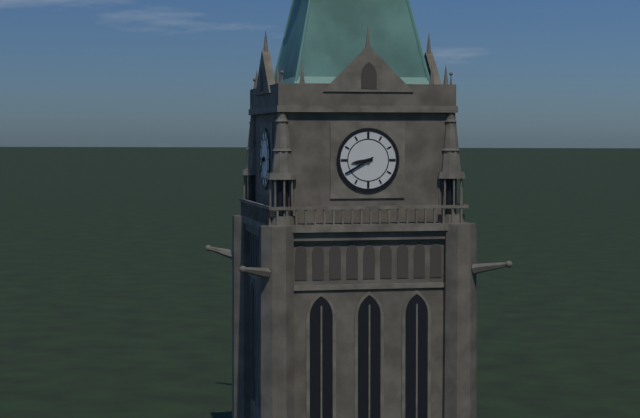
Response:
8h40
